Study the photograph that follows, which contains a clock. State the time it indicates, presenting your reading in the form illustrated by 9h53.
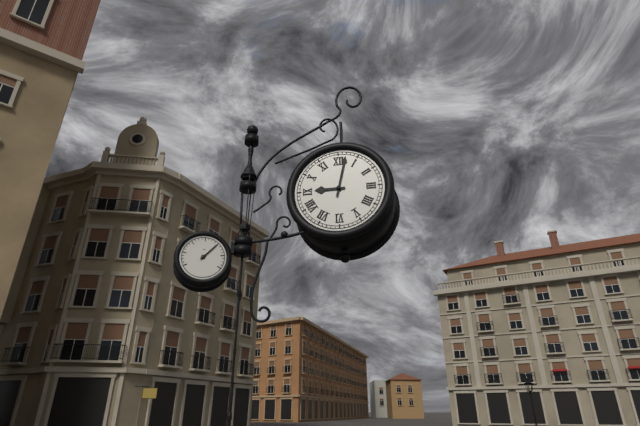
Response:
9h02
